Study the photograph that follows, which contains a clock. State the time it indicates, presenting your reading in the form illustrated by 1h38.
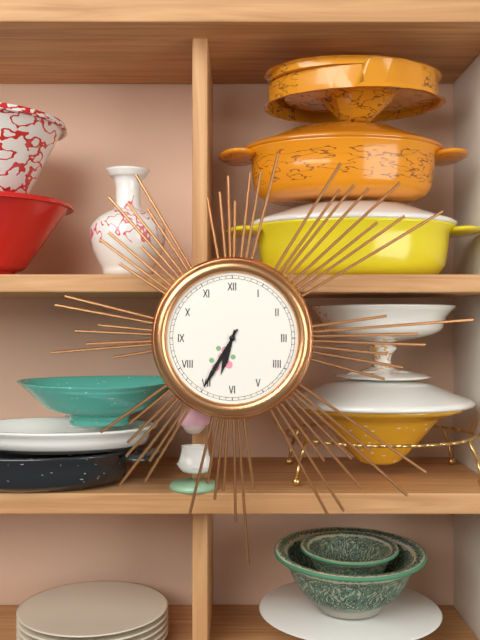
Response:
6h35
